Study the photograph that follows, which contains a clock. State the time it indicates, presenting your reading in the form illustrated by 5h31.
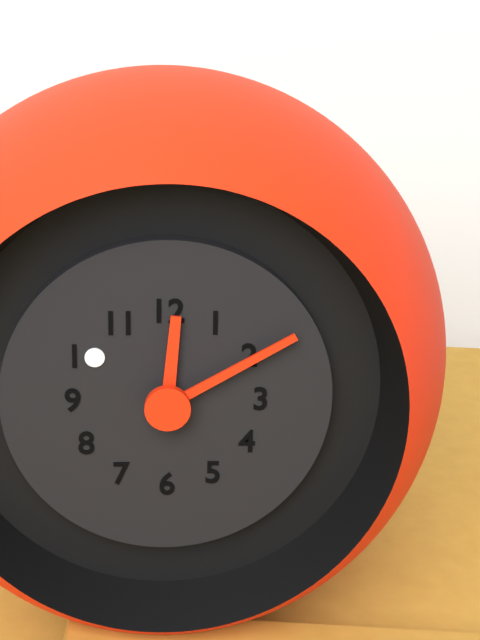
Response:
12h10
